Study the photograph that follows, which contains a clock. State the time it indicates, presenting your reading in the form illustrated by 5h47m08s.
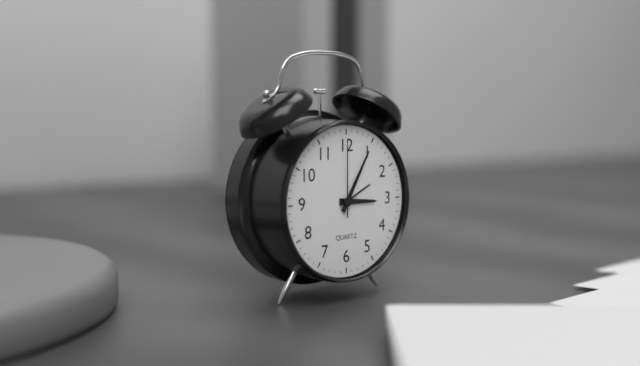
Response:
3h05m00s
